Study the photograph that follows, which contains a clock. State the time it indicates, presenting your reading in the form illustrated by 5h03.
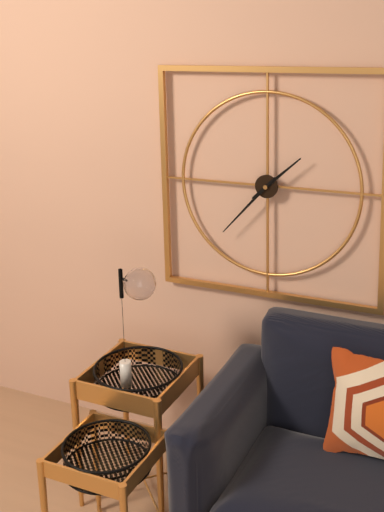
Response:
1h37
